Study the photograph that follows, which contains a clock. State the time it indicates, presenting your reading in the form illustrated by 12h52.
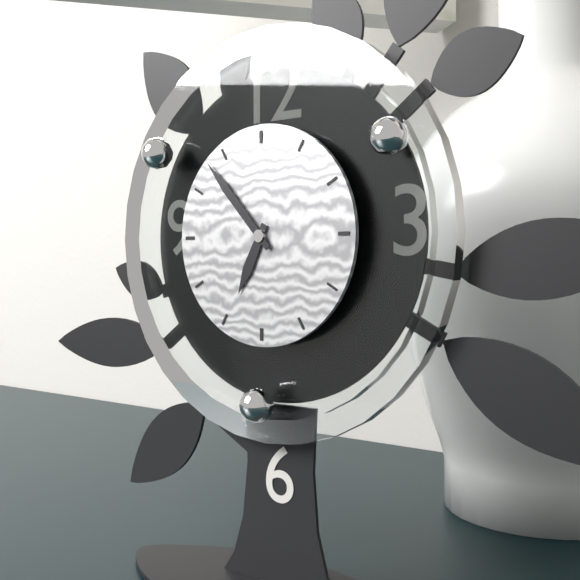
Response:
6h53
